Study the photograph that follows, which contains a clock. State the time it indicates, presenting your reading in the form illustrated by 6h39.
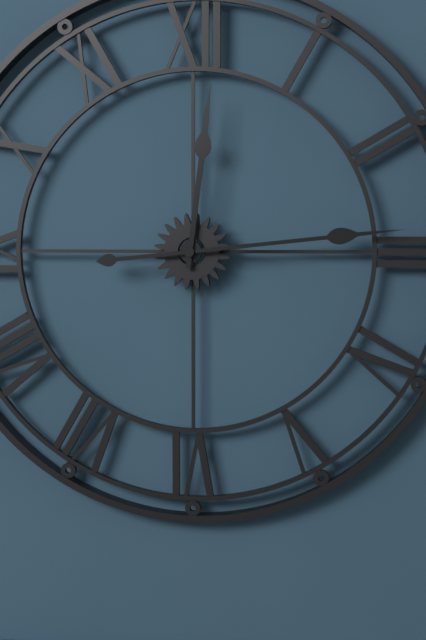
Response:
12h14
